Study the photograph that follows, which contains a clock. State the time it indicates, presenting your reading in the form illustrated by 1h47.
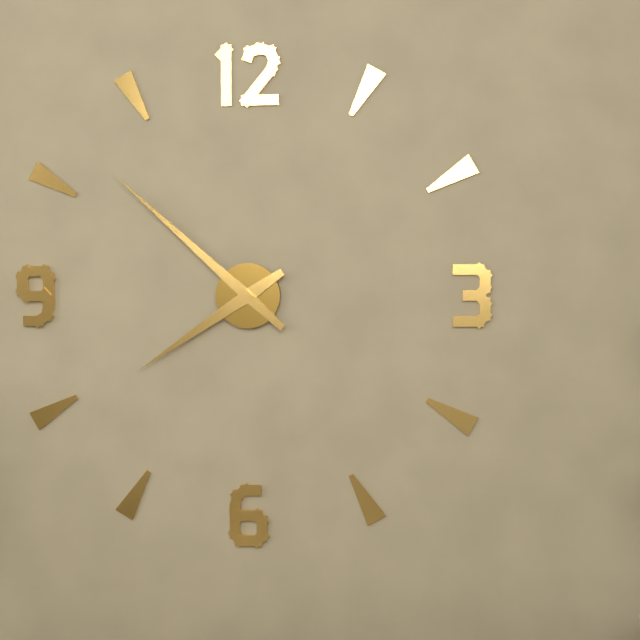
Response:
7h52
